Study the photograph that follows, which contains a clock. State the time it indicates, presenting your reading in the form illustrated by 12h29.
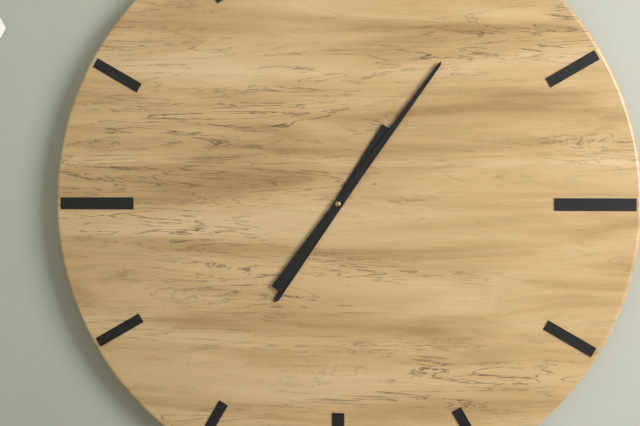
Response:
7h06
